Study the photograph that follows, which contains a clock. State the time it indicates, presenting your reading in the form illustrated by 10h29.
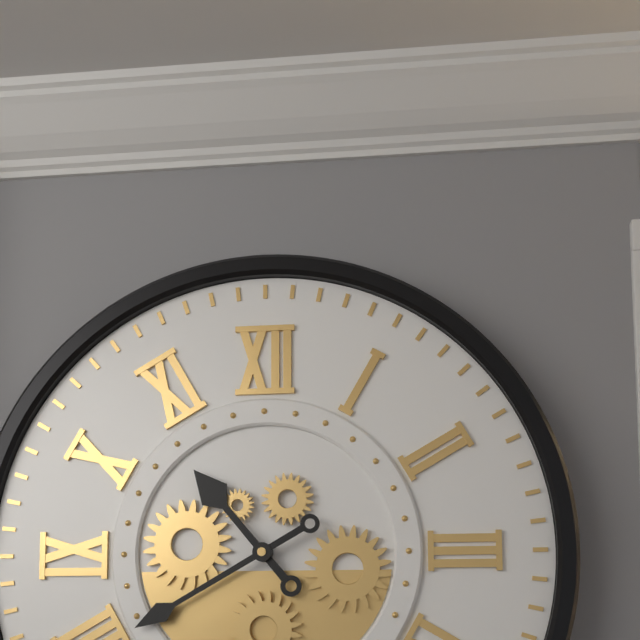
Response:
10h40
